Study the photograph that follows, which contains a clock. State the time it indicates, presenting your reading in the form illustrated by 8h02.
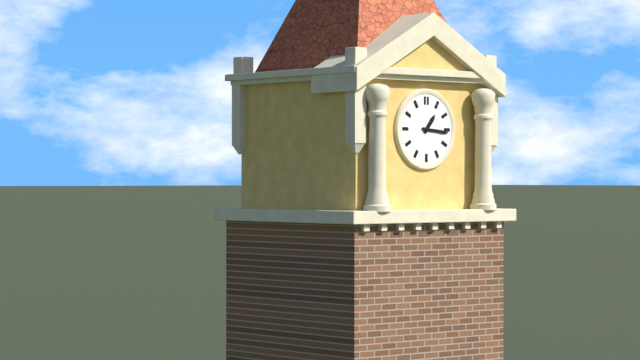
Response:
1h16
